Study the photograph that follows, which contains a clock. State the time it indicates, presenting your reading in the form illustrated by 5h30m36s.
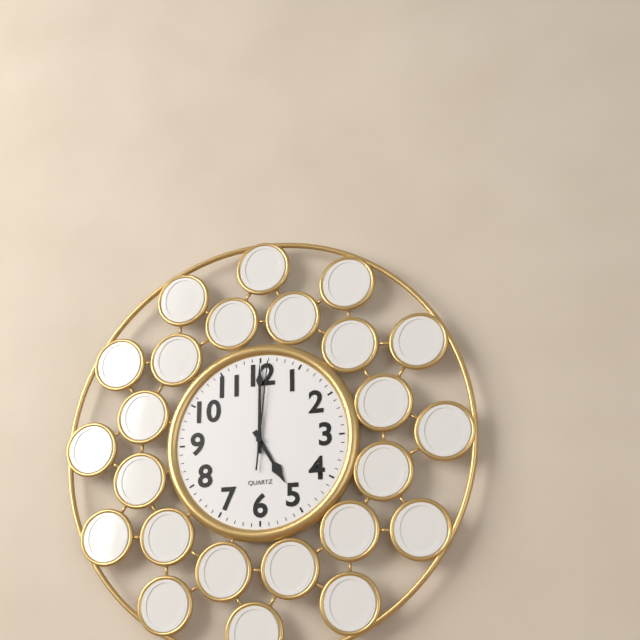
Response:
5h00m01s
